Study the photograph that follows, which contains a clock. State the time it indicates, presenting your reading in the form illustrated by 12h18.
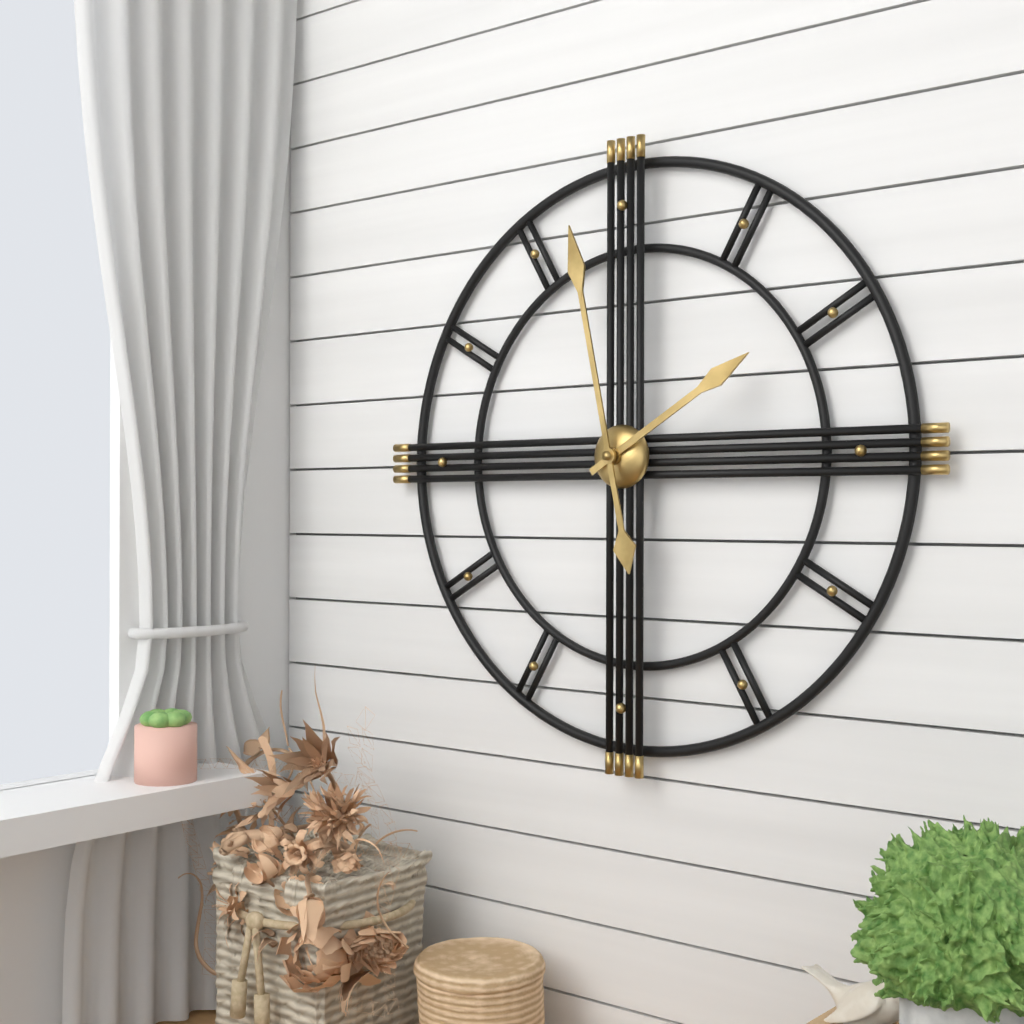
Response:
1h58
